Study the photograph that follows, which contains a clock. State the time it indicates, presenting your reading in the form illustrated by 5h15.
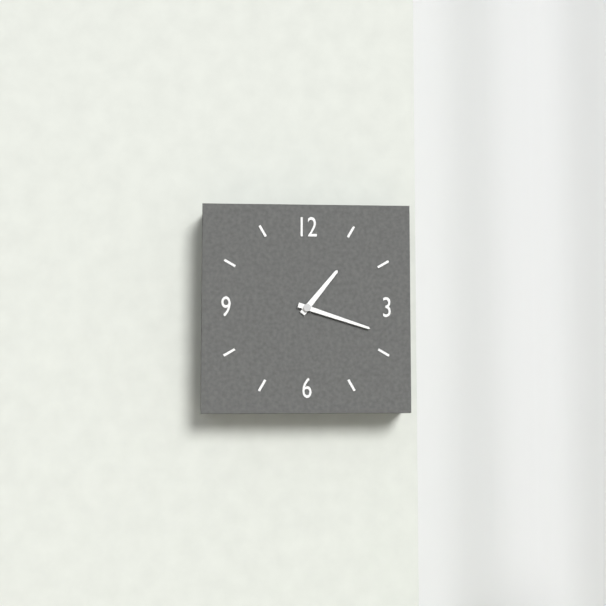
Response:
1h18
